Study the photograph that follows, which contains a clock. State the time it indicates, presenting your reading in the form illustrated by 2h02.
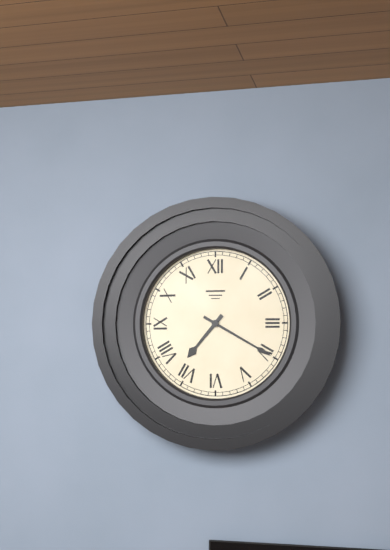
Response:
7h20
